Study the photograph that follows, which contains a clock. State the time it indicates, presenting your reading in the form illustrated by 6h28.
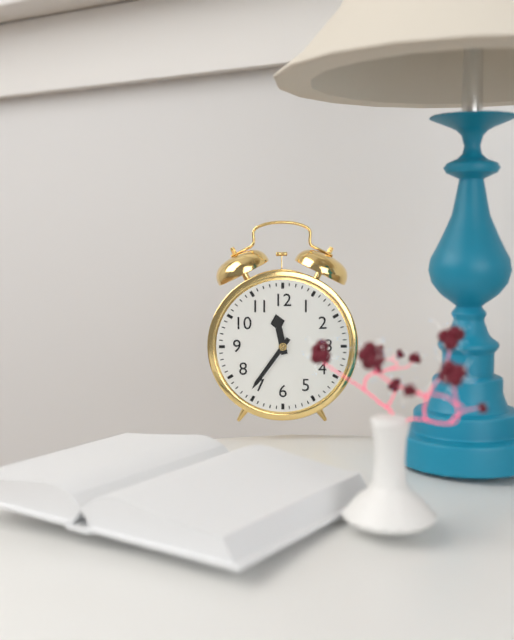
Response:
11h36
